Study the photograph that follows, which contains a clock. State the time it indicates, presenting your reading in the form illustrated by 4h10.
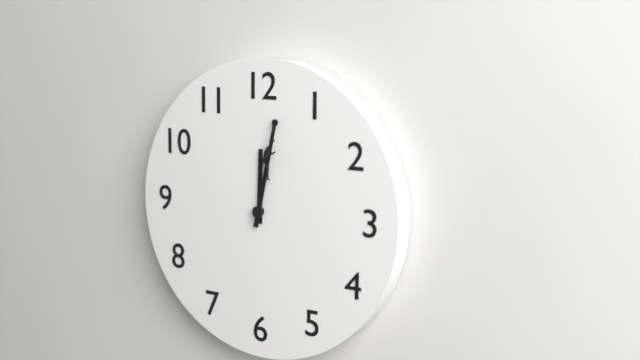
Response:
12h02
